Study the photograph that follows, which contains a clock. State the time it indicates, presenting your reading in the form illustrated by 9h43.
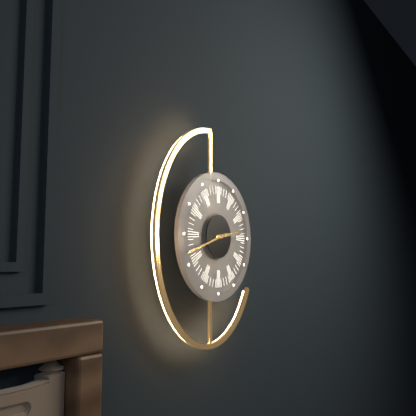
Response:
2h42
